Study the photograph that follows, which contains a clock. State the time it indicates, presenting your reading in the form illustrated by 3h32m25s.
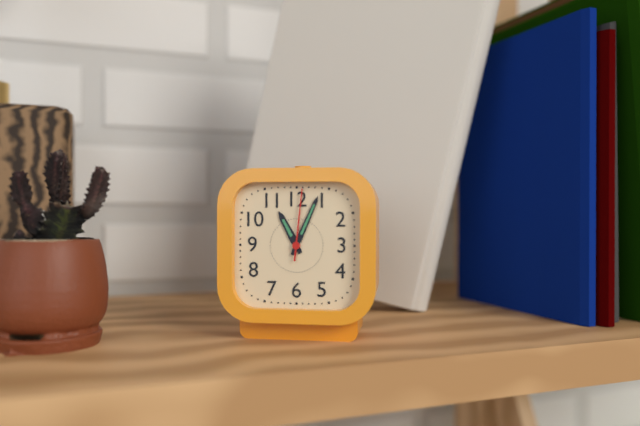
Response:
11h04m01s
